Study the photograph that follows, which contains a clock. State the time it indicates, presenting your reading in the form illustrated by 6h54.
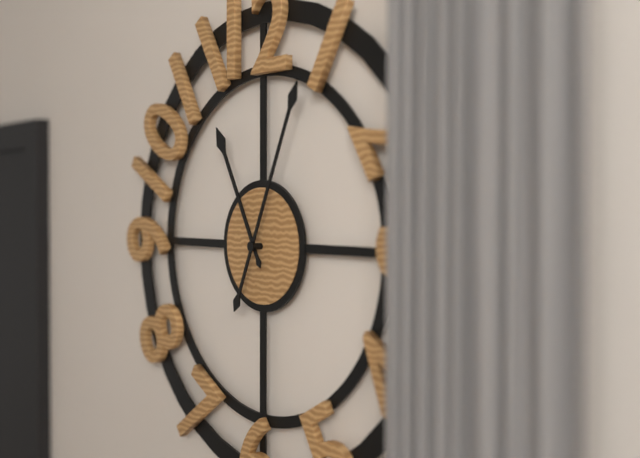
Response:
11h04
